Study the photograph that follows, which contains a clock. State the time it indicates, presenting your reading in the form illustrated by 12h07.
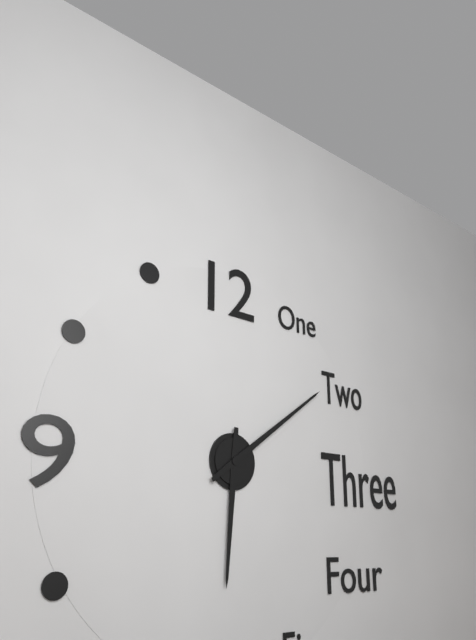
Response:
6h09
